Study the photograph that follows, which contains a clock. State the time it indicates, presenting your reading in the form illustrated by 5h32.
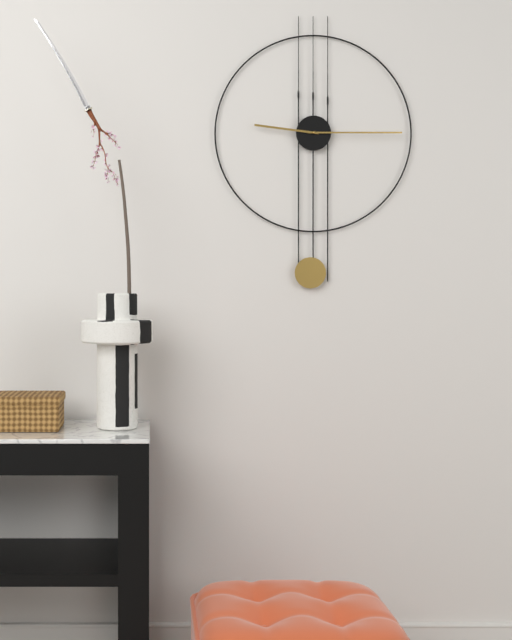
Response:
9h15
